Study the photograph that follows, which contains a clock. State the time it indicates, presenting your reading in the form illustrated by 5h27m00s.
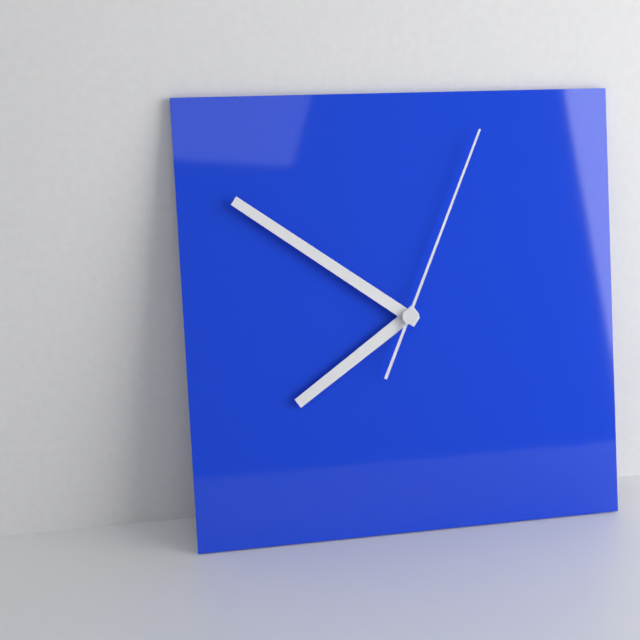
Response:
7h51m04s
